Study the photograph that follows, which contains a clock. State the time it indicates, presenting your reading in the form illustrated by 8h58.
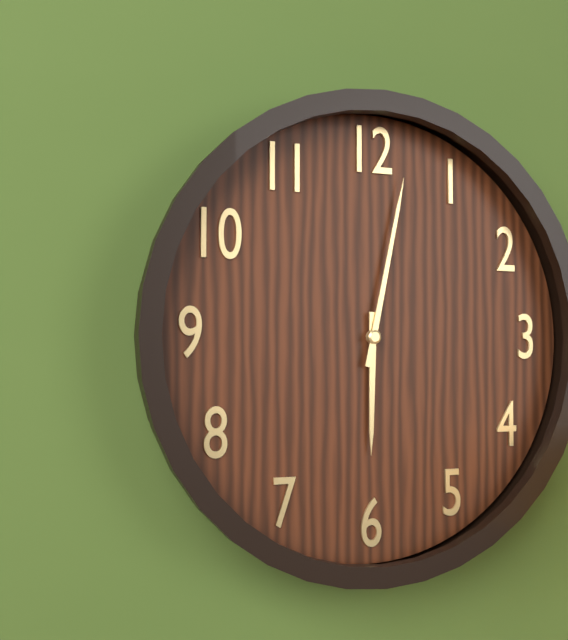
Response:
6h02
